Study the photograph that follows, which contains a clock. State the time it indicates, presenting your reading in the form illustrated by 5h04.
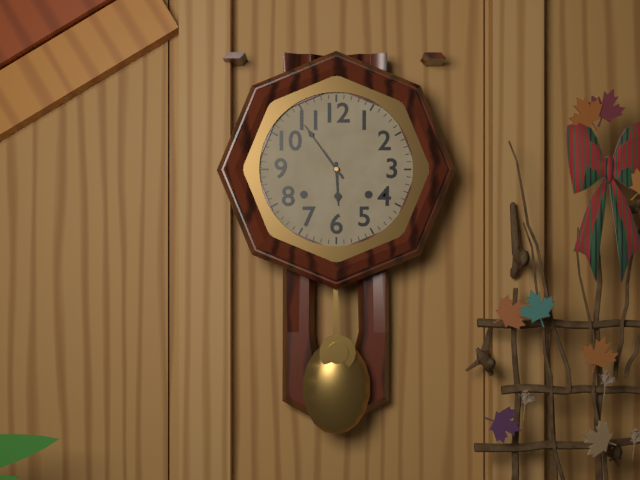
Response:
5h54
